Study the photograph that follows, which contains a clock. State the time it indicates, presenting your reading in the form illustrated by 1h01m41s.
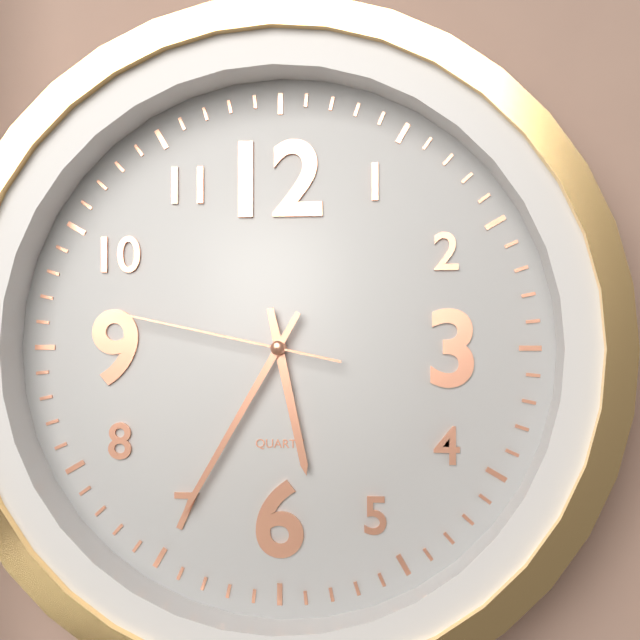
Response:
5h35m47s
